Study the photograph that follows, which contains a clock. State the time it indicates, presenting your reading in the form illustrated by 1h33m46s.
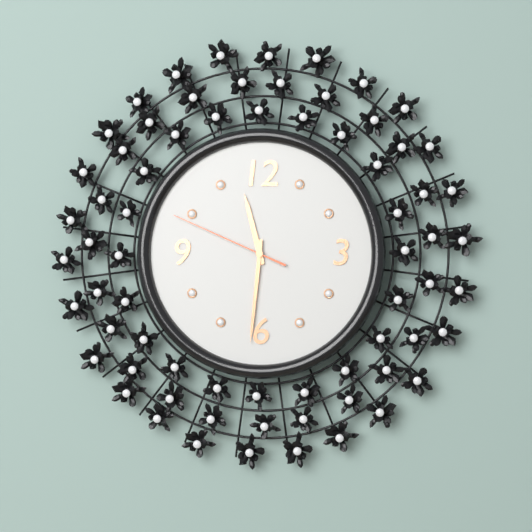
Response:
11h31m49s
